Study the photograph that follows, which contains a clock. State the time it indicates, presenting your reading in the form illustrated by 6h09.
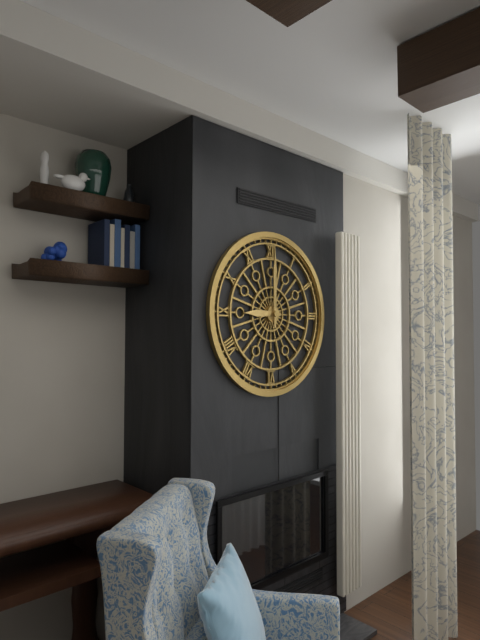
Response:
9h00
